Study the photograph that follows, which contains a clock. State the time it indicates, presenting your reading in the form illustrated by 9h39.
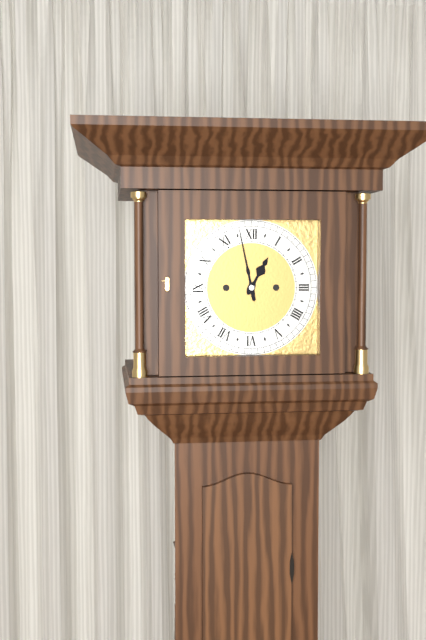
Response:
12h58
